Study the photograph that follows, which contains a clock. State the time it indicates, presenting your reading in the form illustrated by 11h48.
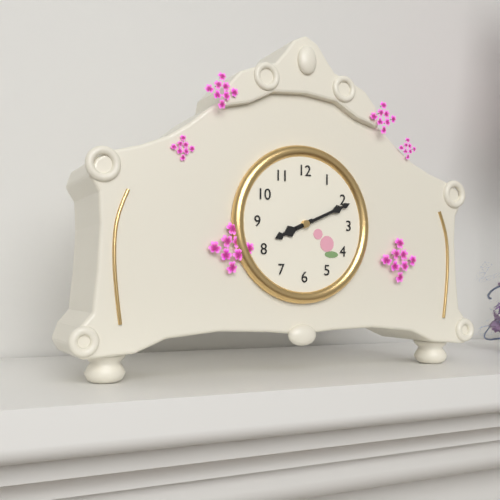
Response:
8h11
